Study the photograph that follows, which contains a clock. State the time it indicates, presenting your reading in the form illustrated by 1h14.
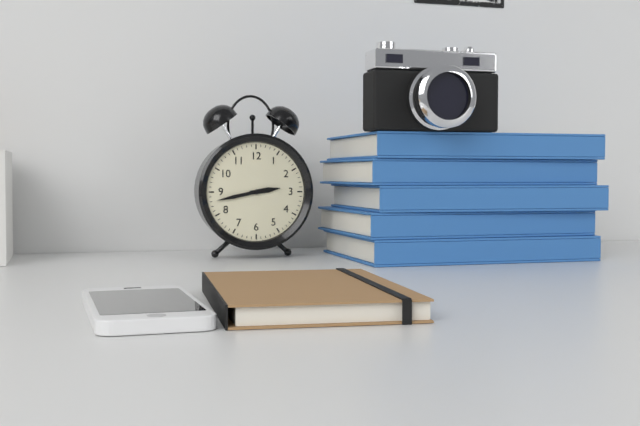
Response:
2h43
